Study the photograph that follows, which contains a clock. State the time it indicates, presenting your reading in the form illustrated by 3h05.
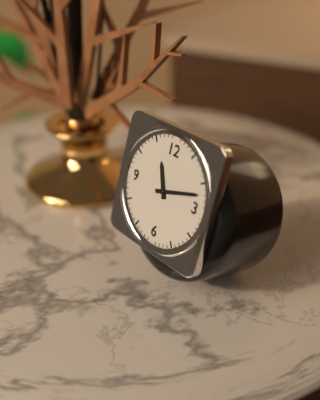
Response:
11h12
